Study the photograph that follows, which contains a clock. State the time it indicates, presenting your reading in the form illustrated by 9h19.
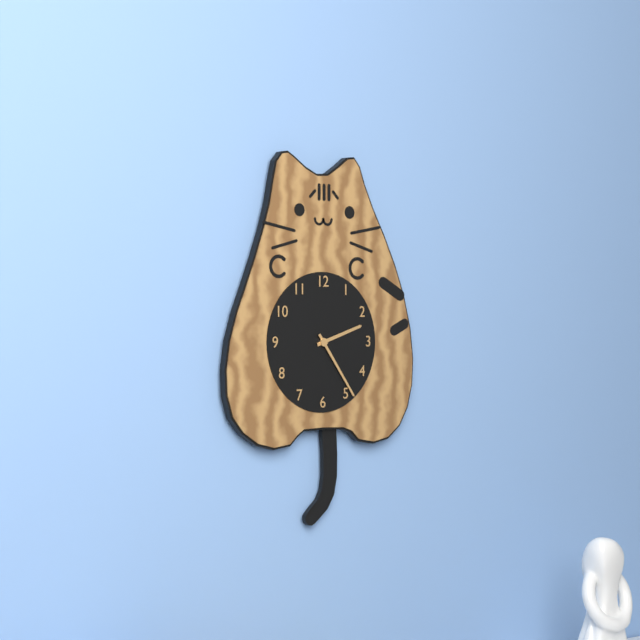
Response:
2h24
